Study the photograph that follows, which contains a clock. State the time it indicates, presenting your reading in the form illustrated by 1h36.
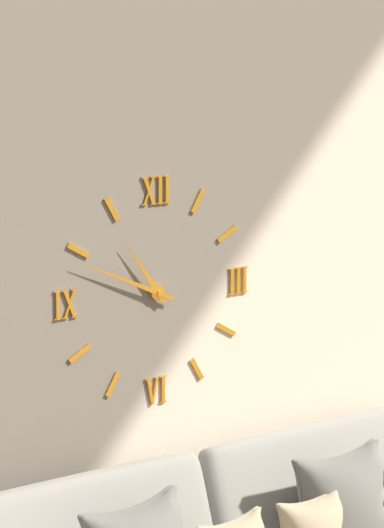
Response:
10h49
